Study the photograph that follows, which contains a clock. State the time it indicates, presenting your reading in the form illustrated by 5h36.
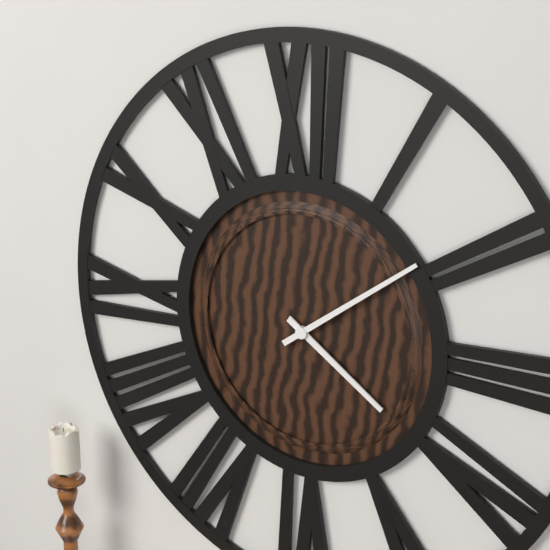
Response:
4h09
